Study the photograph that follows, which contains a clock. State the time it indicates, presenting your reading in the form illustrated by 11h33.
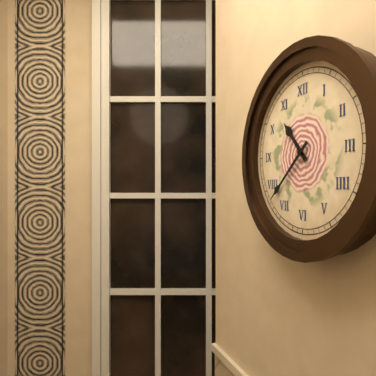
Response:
10h38
